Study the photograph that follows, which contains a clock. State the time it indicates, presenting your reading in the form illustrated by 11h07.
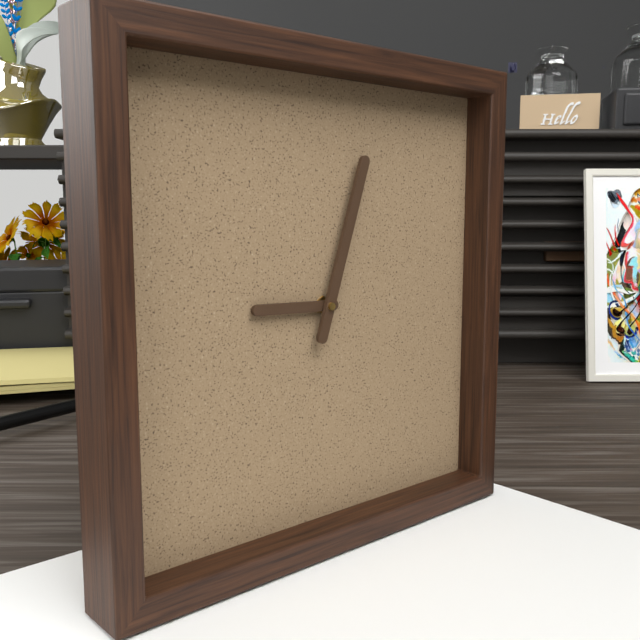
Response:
9h03
